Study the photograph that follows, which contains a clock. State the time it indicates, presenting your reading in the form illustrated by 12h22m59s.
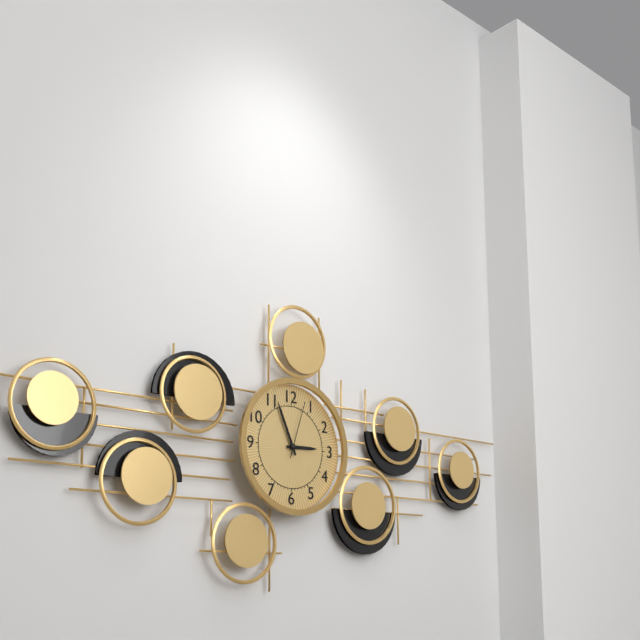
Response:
2h56m03s
